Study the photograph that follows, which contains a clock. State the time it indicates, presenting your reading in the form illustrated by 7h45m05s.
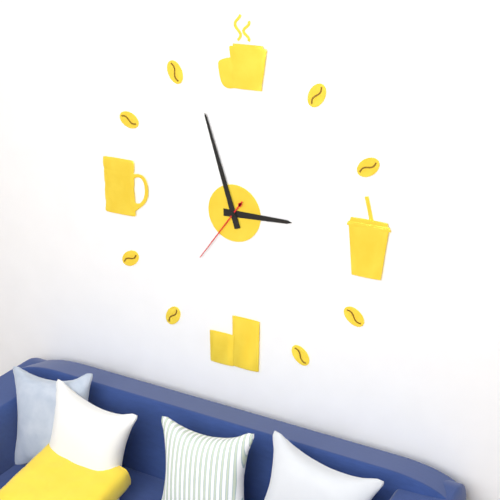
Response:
2h57m36s
